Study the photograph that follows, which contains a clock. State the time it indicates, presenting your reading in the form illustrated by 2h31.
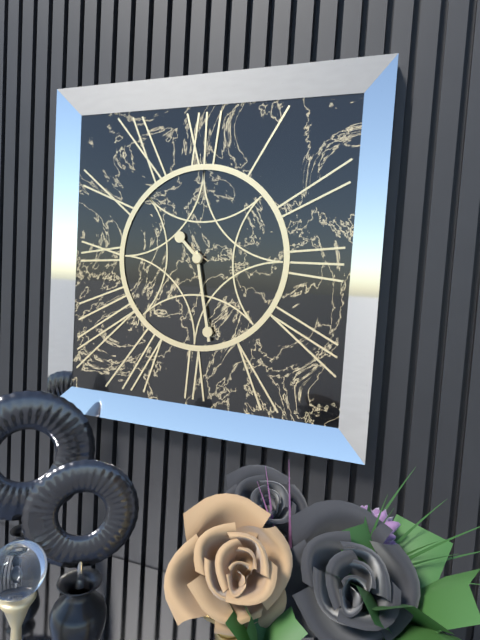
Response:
10h28
